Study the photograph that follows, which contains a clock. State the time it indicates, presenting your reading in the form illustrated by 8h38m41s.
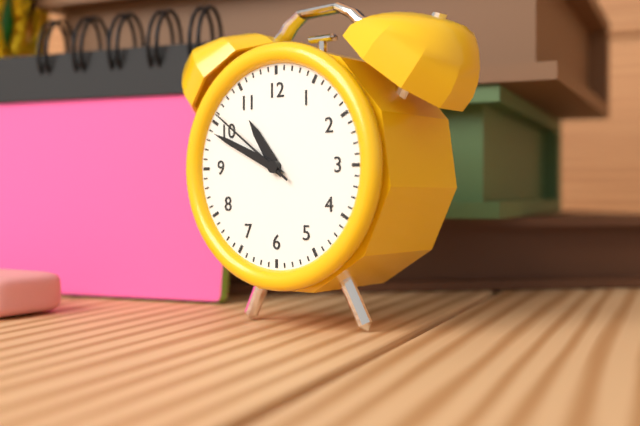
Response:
10h49m51s
